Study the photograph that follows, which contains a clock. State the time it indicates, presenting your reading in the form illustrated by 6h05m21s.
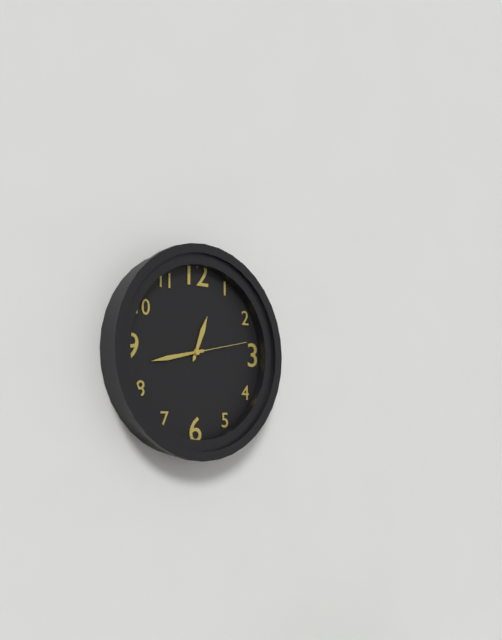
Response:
12h43m13s
